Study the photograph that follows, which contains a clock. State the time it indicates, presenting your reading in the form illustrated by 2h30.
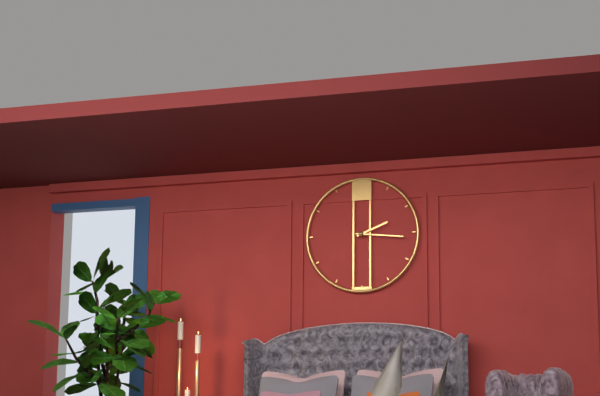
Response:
2h16
